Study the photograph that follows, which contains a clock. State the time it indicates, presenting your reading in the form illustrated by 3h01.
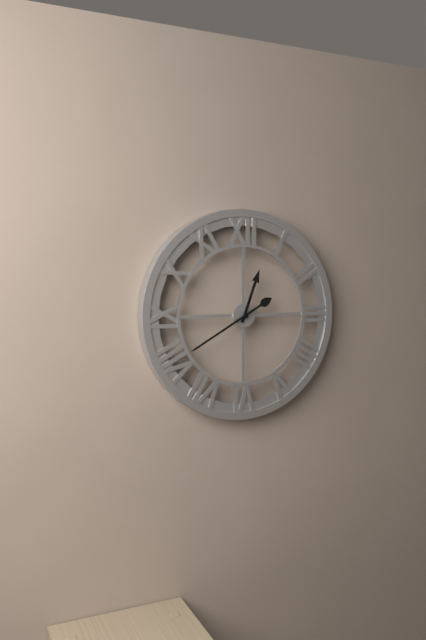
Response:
12h40
